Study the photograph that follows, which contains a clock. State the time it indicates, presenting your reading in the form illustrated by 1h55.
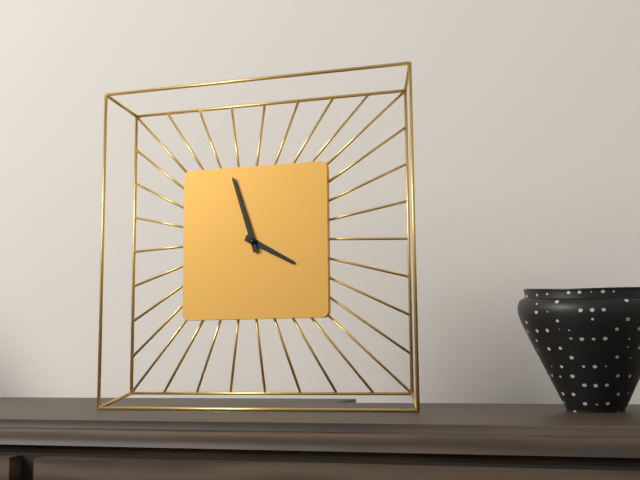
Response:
3h57
